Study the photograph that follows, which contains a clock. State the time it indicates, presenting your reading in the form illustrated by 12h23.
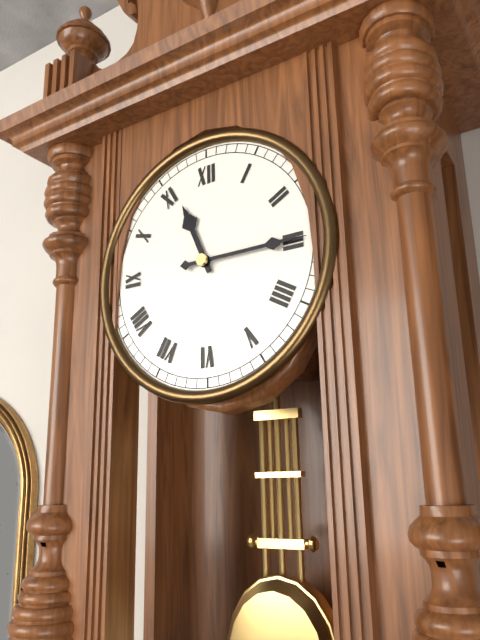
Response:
11h15
